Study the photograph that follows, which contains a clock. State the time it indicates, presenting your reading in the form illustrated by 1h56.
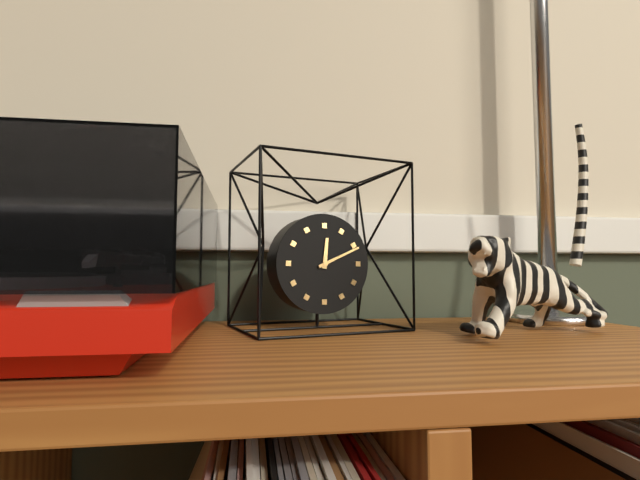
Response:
12h11
